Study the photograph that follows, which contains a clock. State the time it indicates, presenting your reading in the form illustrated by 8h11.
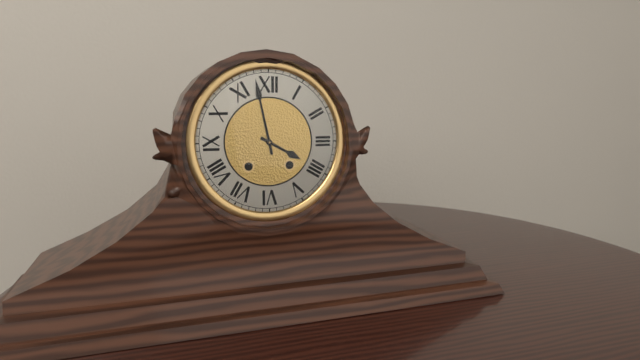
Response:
3h58
